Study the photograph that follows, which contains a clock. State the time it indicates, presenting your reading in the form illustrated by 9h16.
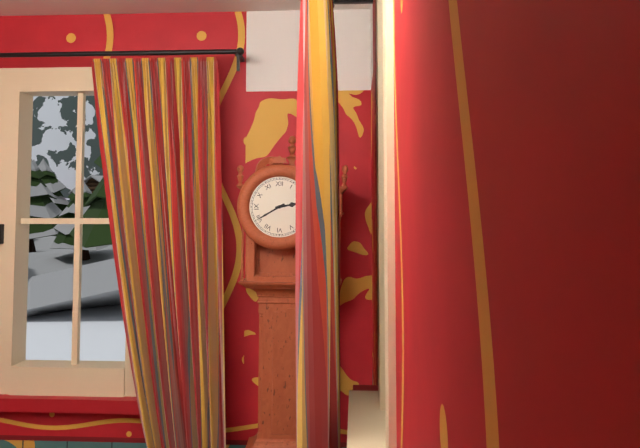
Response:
2h40
